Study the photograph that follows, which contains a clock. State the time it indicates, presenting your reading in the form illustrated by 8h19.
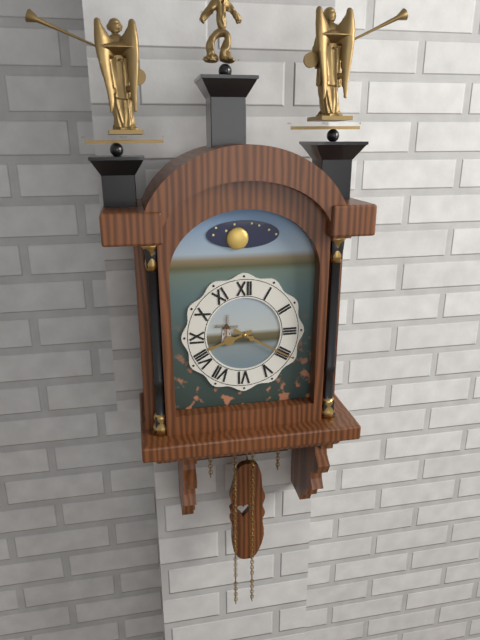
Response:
8h20
